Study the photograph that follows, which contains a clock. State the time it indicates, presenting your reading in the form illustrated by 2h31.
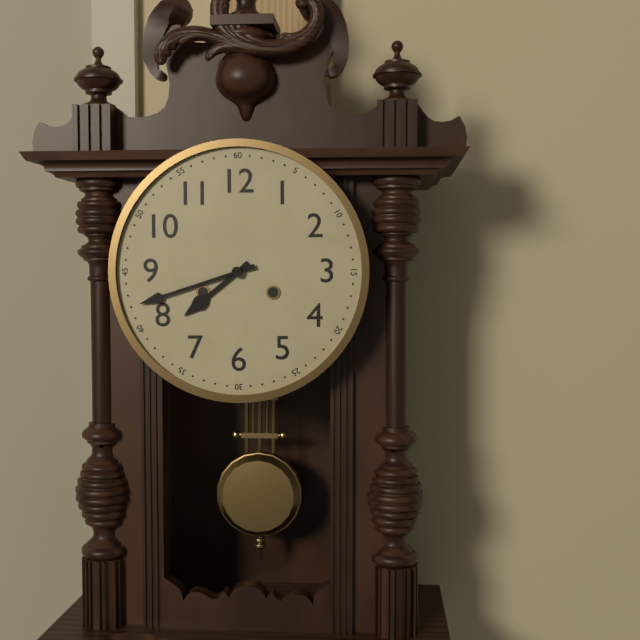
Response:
7h42
